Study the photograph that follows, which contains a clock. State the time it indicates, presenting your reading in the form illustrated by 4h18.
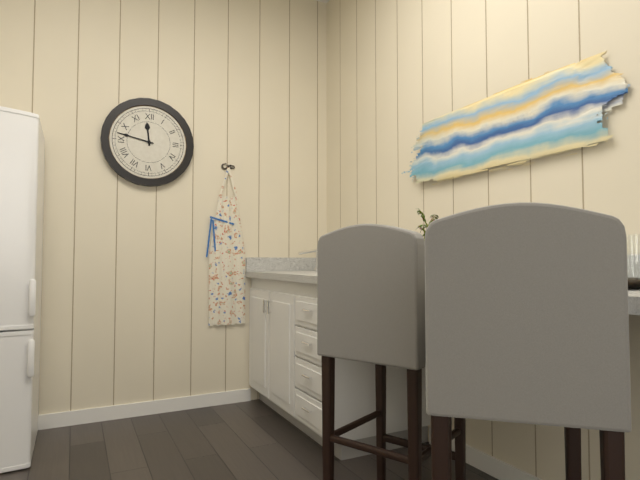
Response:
11h47
